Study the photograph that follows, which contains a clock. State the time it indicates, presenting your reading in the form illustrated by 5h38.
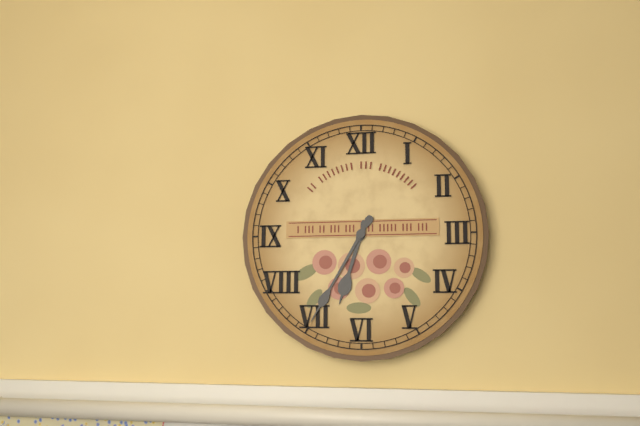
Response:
6h35
